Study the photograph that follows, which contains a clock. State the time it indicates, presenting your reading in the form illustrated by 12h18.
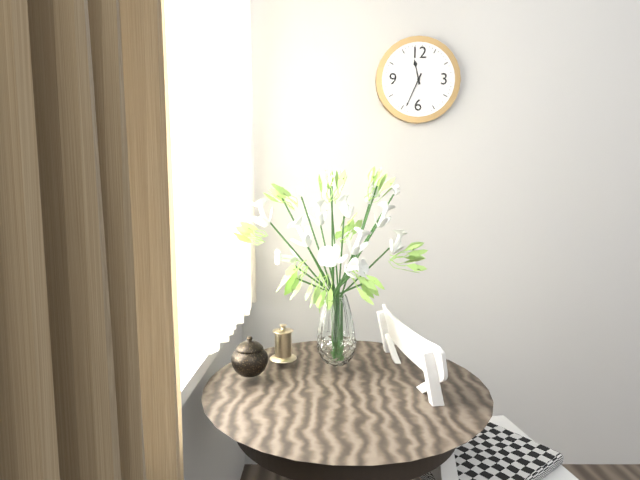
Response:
11h34
